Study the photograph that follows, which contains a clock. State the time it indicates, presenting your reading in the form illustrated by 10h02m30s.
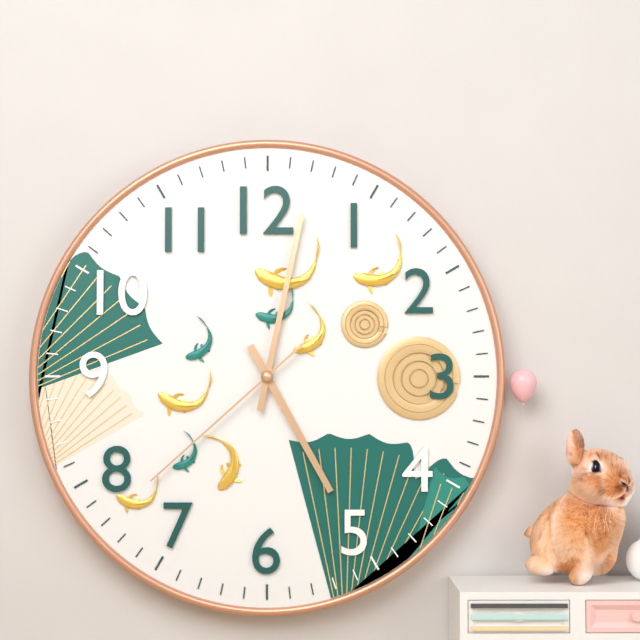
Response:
5h02m38s
